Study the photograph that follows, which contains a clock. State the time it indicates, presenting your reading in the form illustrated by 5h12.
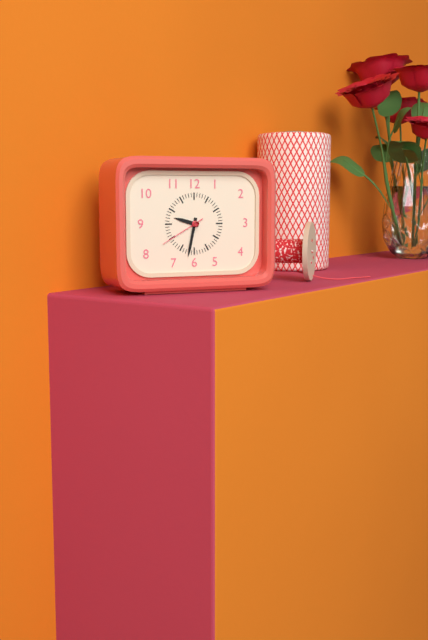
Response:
9h32
